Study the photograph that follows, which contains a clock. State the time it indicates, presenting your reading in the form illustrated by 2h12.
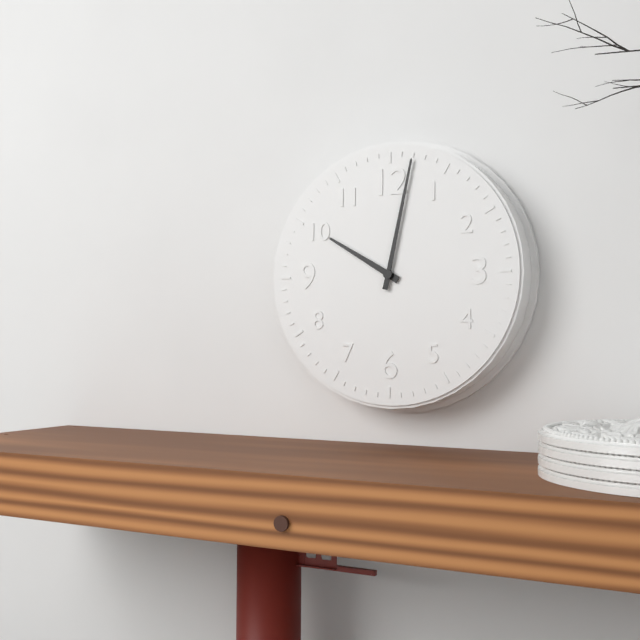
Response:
10h02
